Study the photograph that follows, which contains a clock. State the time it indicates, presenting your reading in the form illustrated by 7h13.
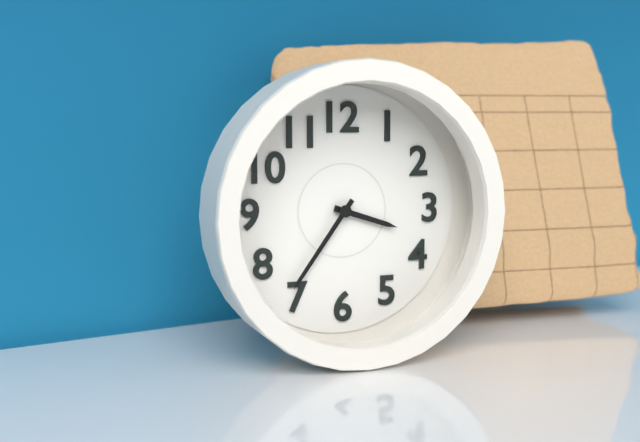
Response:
3h36
